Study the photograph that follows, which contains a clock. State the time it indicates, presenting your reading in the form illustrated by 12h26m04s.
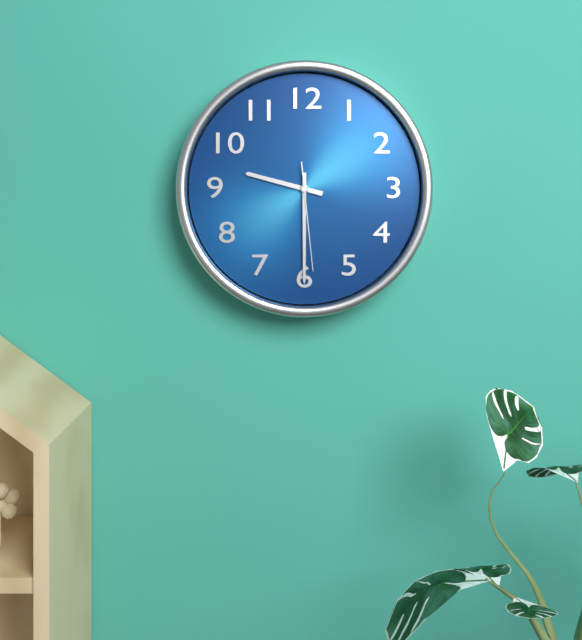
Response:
9h30m29s
